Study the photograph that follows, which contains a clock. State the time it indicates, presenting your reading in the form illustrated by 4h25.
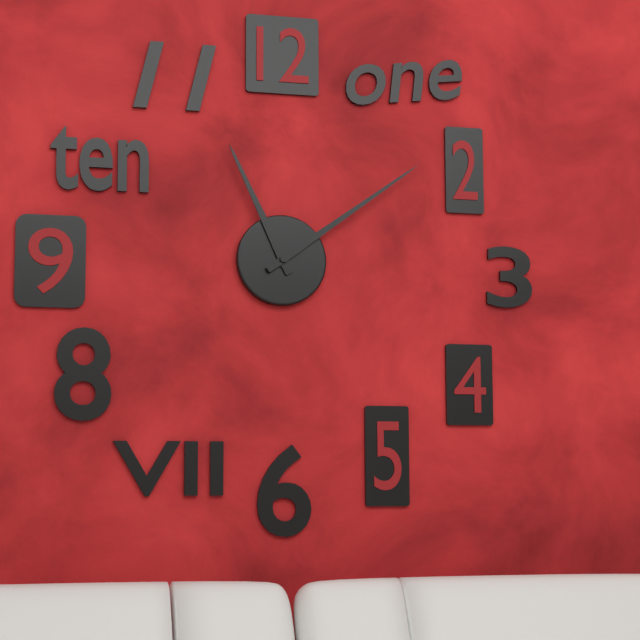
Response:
11h09
